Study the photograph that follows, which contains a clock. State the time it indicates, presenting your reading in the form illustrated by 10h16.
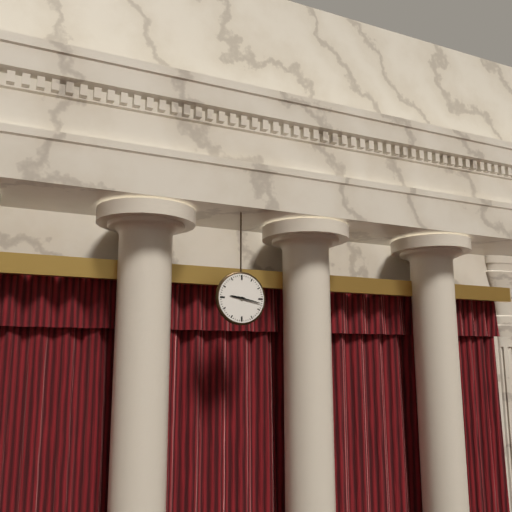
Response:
9h17
